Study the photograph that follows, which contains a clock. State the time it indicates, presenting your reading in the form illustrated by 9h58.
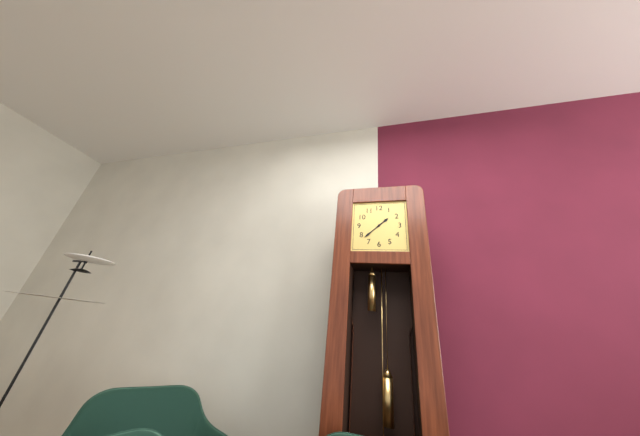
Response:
1h38
